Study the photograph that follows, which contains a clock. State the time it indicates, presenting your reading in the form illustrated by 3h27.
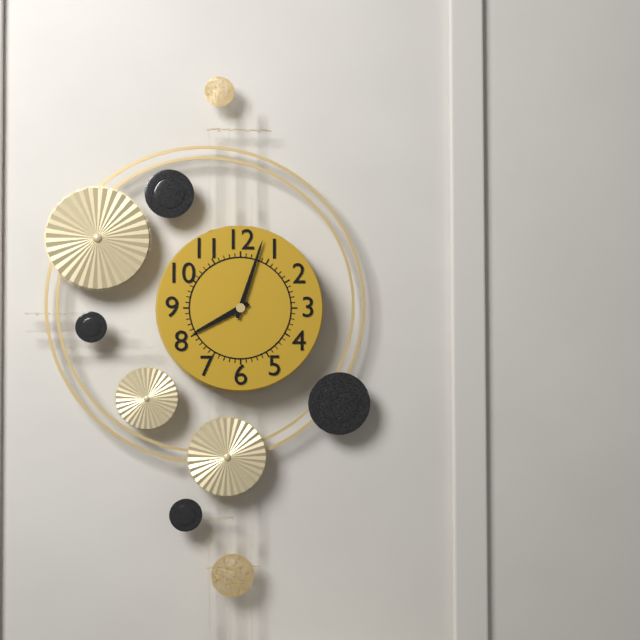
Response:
8h03
